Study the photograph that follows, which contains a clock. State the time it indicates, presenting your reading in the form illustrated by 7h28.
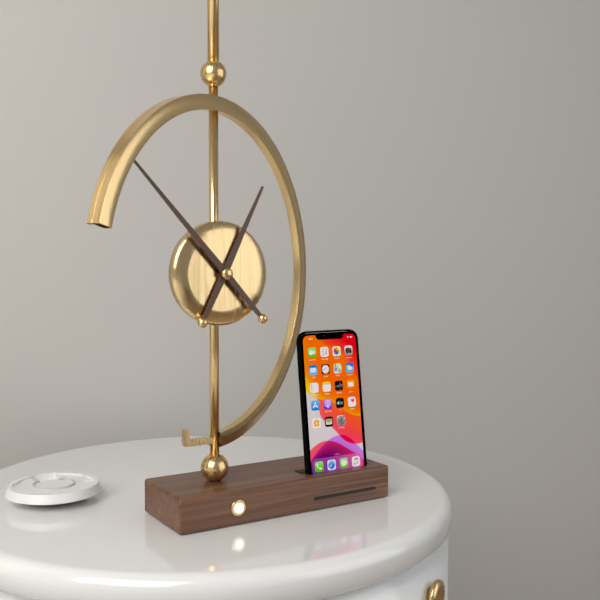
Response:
12h53
